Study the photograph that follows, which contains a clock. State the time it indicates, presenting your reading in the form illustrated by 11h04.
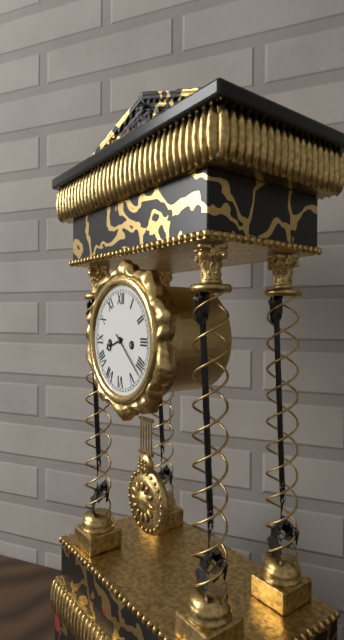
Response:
8h22
